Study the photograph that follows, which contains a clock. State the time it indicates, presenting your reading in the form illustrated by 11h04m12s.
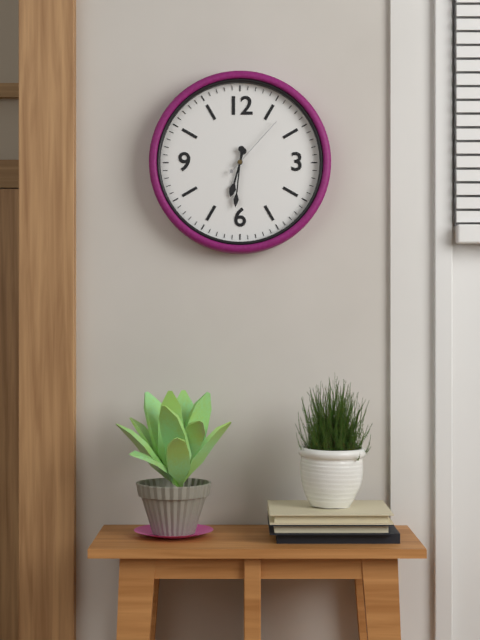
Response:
6h31m07s
